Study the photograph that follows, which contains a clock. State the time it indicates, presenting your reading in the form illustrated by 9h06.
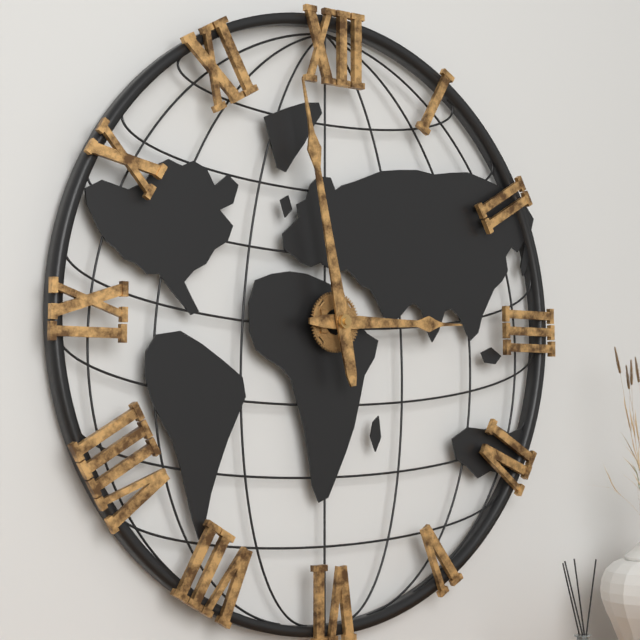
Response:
2h58
